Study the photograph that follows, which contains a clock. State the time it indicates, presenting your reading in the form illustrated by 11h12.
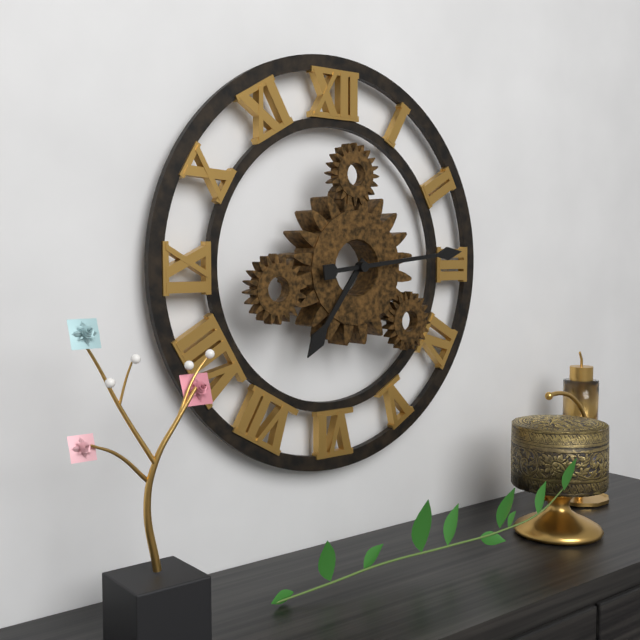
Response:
7h14
